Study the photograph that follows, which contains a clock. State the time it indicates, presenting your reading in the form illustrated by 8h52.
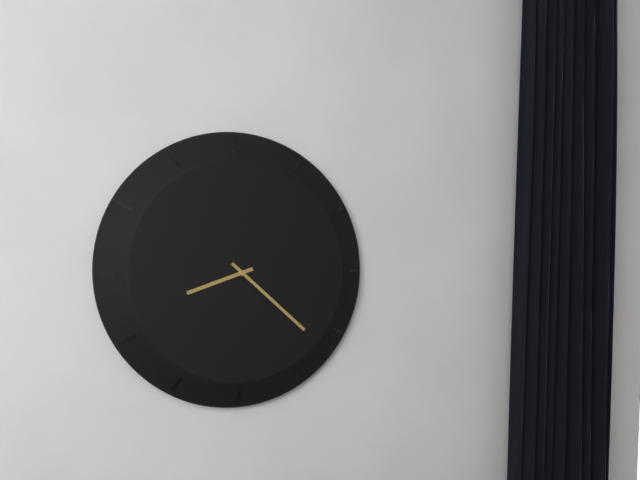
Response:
8h22
